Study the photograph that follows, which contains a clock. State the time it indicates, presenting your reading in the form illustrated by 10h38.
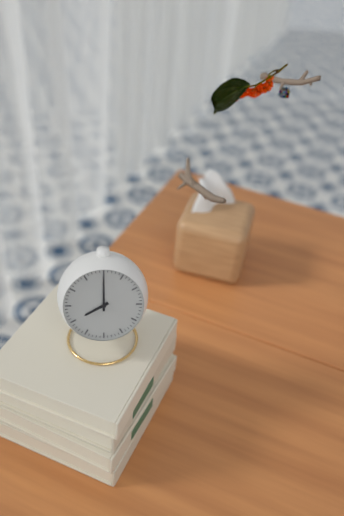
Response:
8h00
